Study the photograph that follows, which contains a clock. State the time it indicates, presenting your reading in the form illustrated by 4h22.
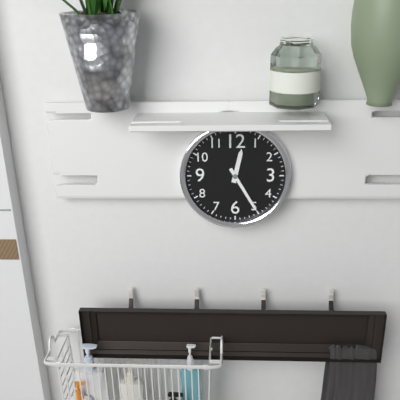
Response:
12h25
